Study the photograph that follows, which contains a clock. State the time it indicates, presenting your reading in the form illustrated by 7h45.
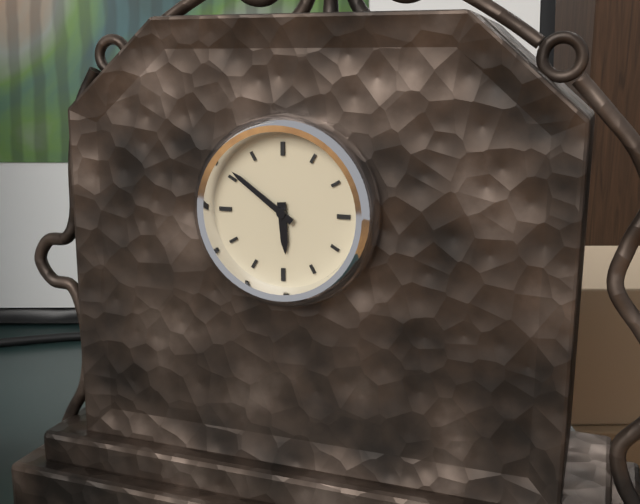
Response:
5h51
